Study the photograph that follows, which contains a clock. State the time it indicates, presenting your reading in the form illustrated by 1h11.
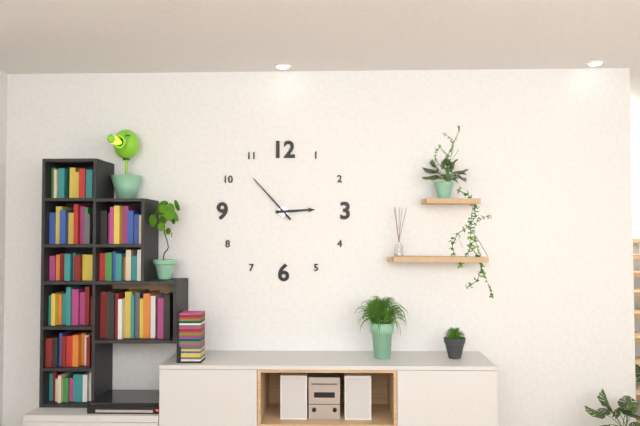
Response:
2h53
